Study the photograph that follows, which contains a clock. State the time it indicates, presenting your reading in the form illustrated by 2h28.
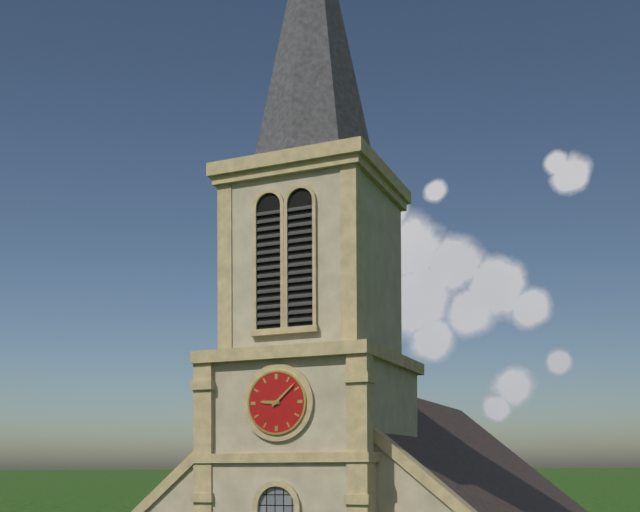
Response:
9h08
